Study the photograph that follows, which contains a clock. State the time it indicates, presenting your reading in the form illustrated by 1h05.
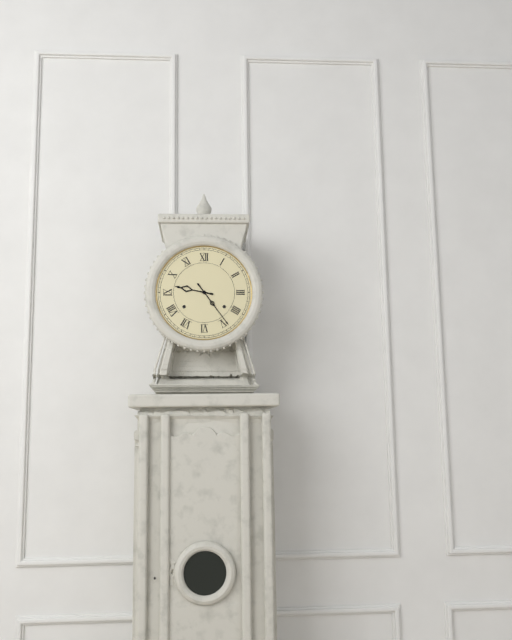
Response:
9h24
